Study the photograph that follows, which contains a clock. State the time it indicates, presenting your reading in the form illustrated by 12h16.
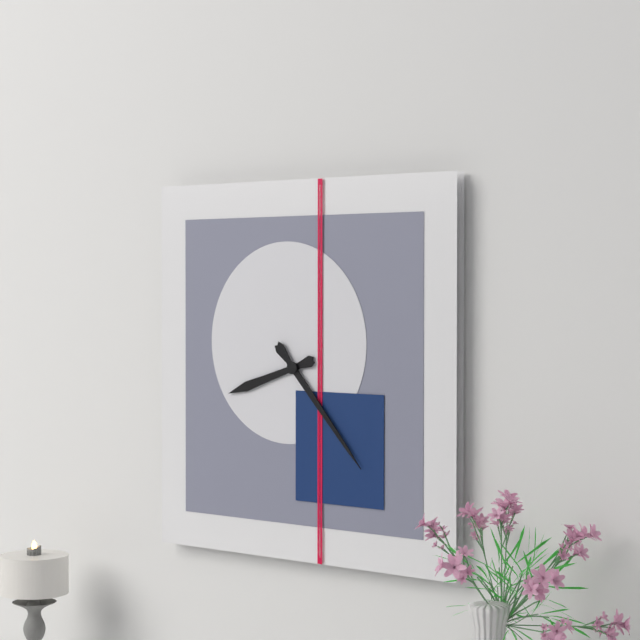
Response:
8h23
